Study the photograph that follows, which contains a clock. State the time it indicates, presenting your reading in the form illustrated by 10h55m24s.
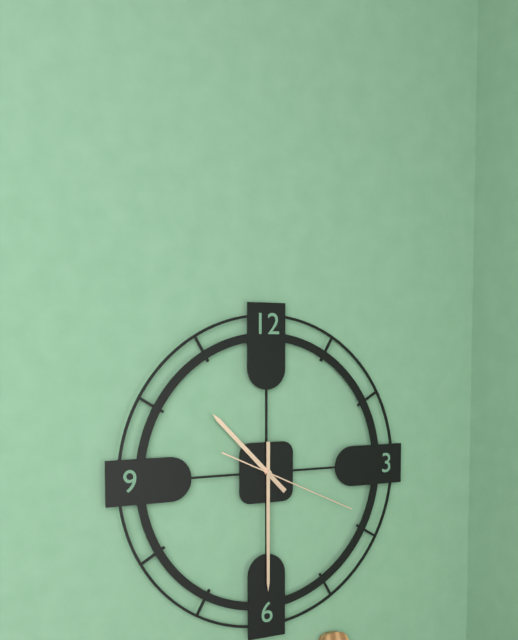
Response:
10h30m19s
